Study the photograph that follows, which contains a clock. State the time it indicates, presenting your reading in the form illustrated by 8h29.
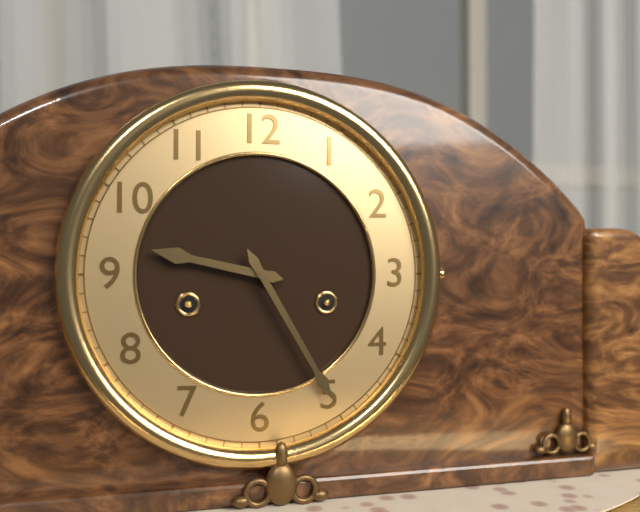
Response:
9h25
